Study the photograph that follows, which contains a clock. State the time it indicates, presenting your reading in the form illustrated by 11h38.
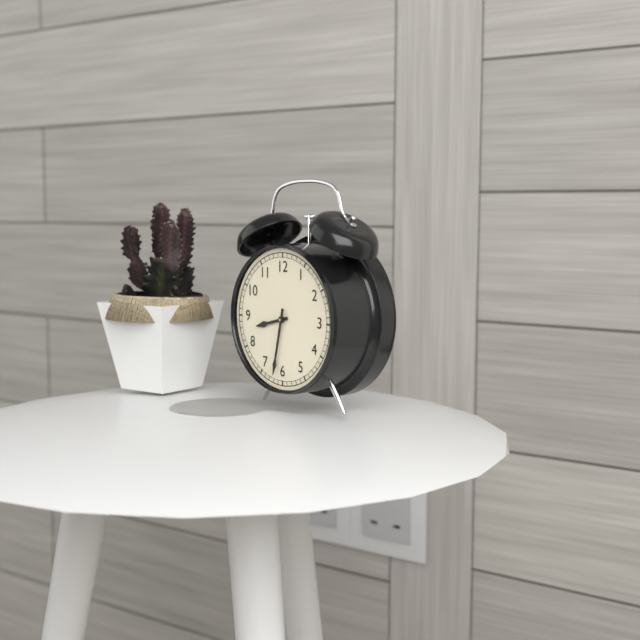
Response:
8h32
